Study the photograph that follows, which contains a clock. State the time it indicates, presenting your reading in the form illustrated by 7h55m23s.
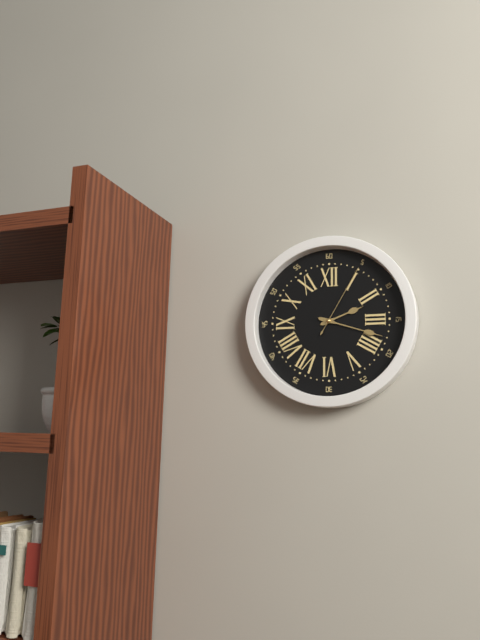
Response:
2h18m05s
